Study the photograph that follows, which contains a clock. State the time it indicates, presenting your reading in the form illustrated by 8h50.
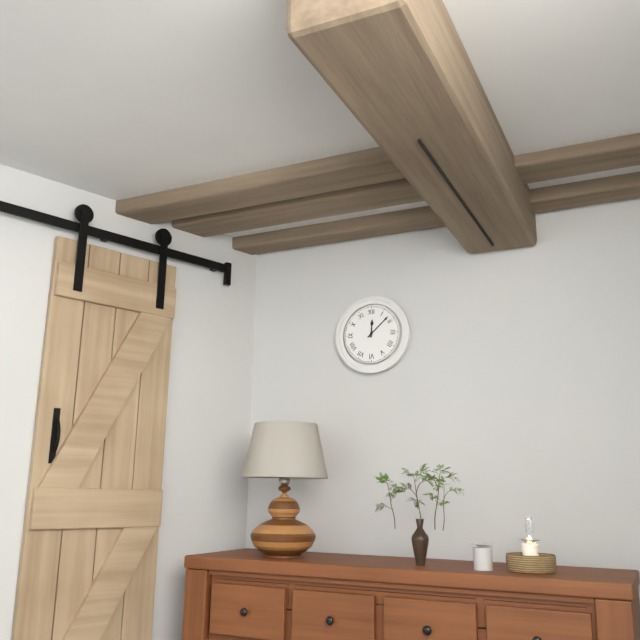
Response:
12h08
